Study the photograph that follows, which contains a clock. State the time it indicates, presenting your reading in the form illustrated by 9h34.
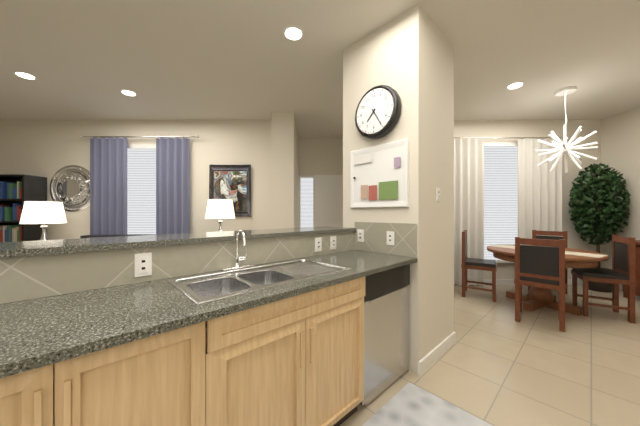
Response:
7h25
